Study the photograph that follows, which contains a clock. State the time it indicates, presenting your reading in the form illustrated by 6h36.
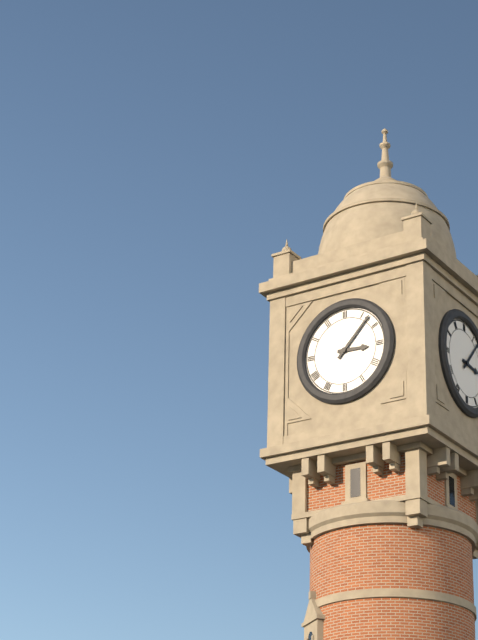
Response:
3h07
